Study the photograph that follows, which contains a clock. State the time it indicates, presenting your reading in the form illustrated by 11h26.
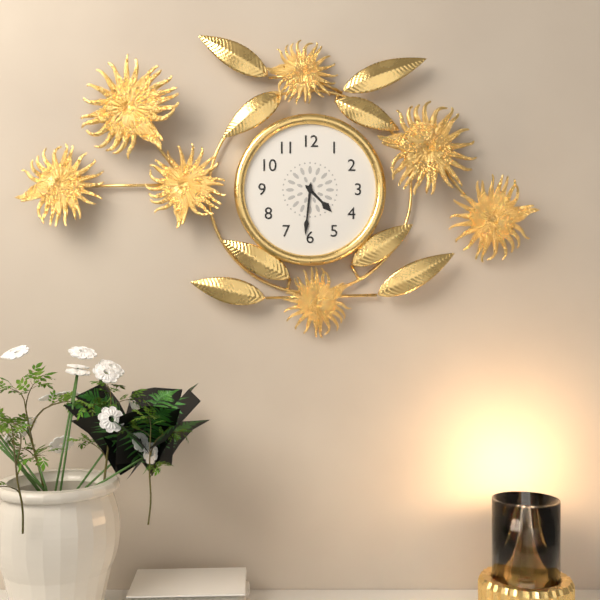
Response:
4h31
